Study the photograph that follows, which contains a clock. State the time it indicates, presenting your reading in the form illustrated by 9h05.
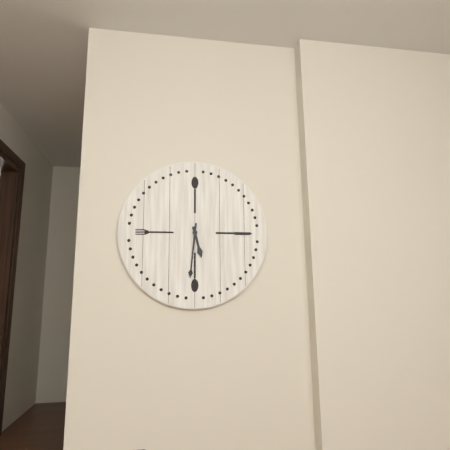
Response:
5h31
